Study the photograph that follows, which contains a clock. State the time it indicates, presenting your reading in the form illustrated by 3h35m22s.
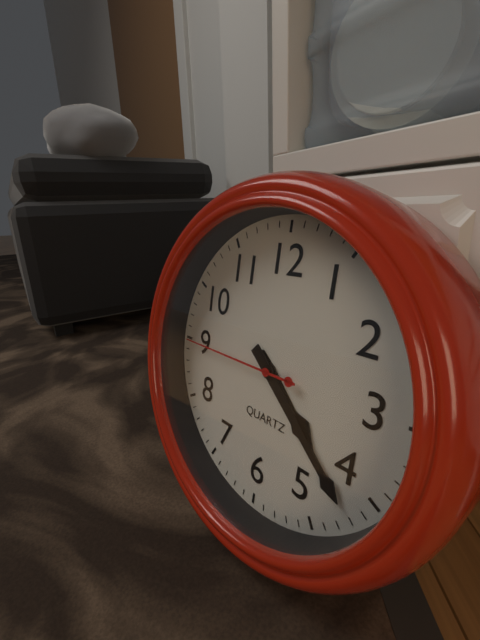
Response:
4h22m45s
